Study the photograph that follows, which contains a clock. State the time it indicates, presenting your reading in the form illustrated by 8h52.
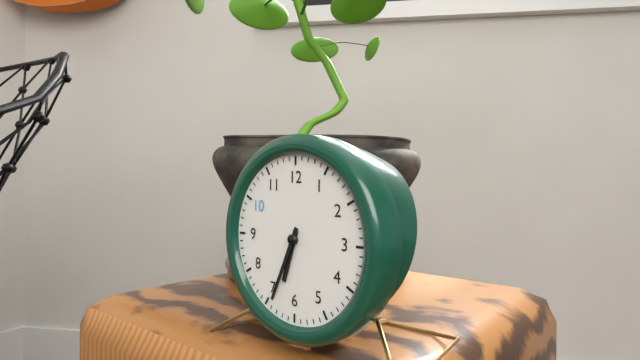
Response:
6h34
